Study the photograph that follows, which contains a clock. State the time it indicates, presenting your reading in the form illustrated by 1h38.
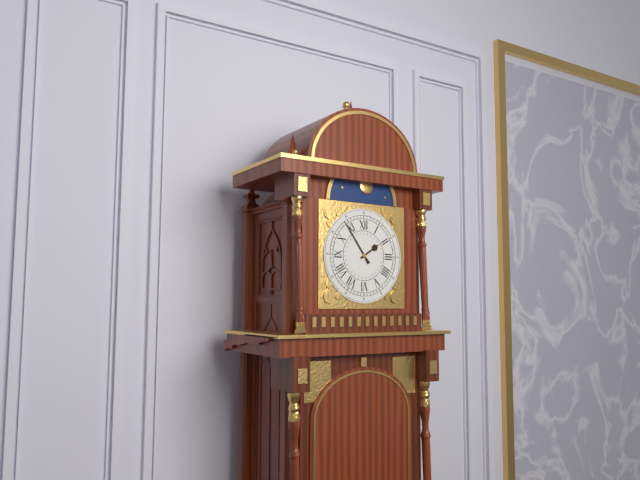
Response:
1h54
